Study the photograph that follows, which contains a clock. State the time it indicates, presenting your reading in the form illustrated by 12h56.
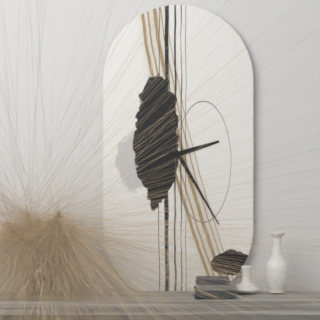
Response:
2h25
